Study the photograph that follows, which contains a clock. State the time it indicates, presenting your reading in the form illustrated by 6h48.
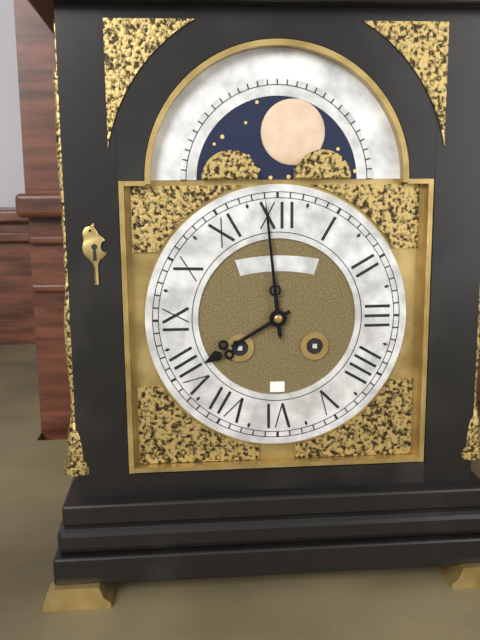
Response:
7h59
